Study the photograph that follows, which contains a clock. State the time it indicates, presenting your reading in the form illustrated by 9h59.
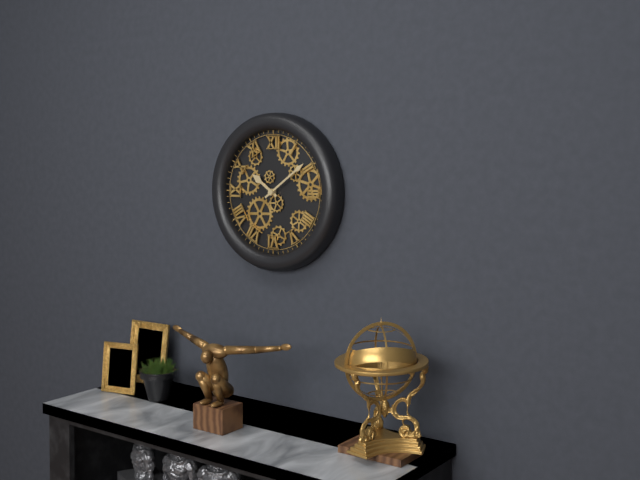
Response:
10h09
